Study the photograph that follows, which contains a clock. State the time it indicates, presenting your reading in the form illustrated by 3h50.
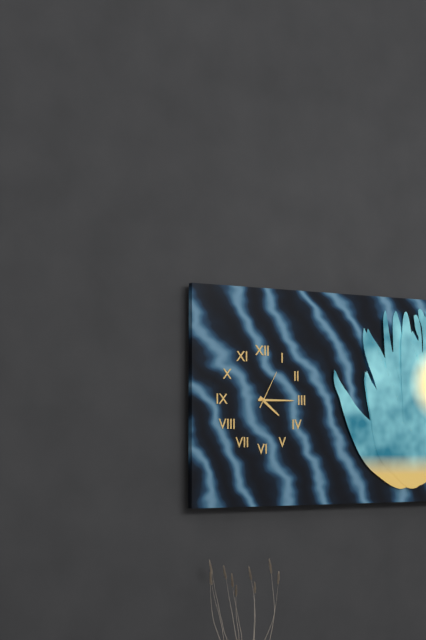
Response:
4h15
